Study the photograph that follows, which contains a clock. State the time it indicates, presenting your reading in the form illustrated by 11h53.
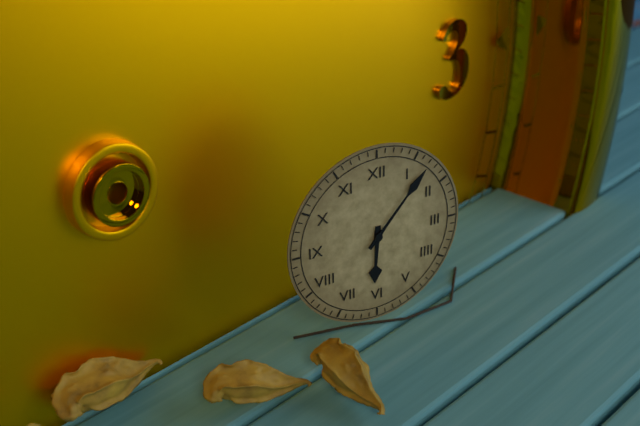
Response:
6h07
